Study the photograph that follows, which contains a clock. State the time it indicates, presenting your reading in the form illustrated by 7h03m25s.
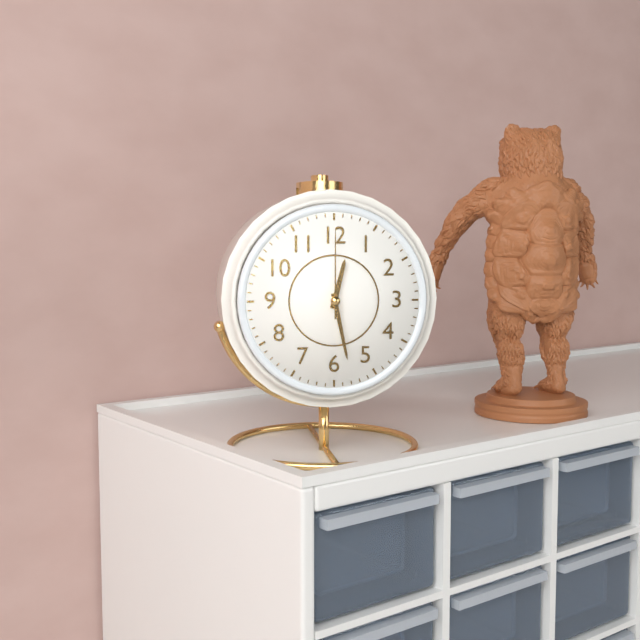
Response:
12h28m00s
